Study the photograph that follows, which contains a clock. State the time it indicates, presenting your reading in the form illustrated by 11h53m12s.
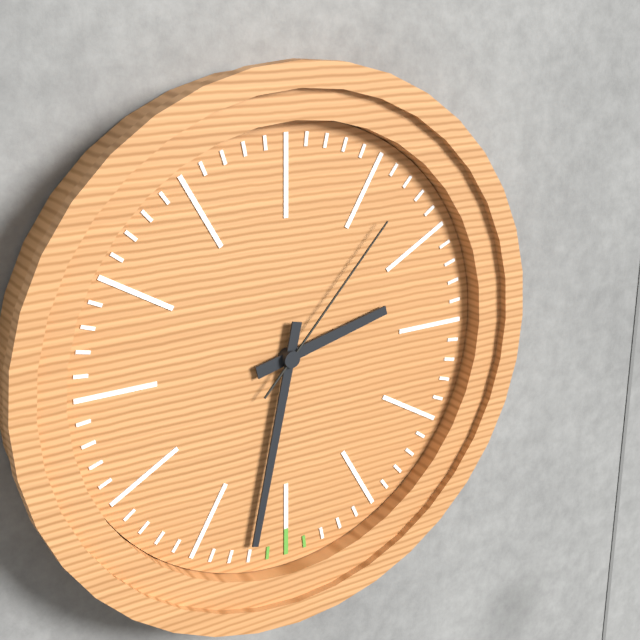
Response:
2h32m07s
